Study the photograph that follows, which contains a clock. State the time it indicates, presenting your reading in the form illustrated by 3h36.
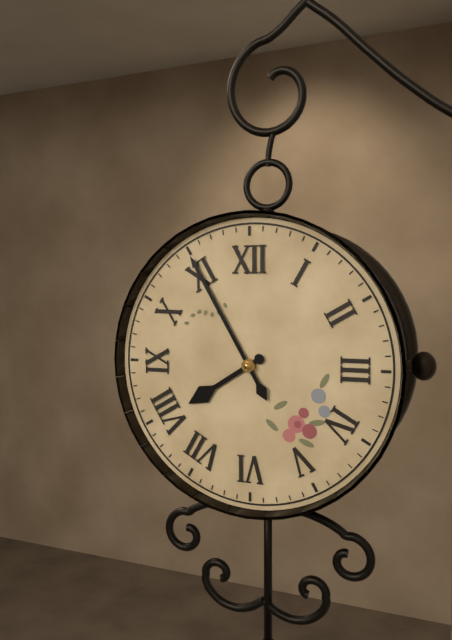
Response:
7h55
